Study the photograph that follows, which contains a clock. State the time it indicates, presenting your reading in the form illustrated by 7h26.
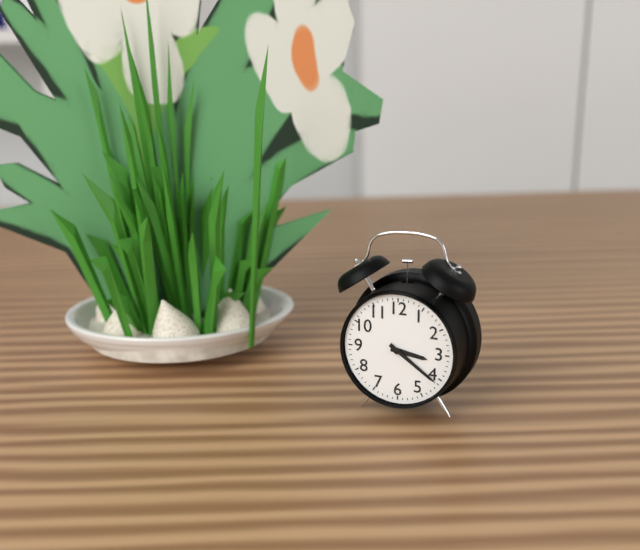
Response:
3h21
